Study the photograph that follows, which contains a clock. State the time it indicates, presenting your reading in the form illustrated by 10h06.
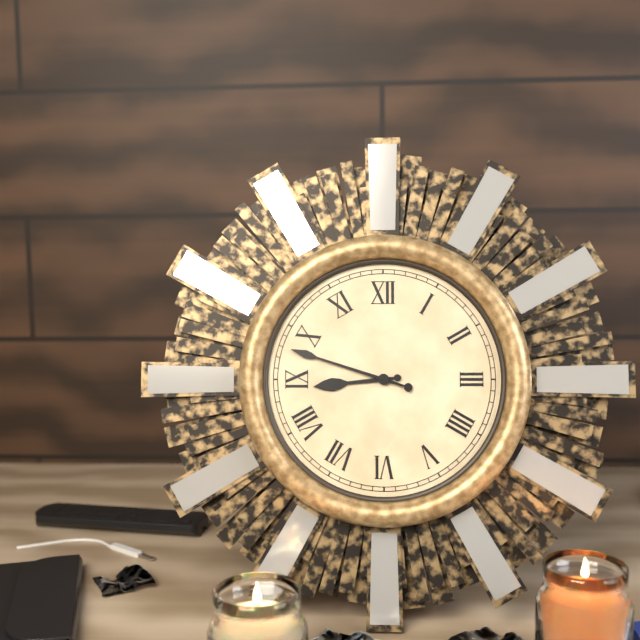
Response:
8h48
